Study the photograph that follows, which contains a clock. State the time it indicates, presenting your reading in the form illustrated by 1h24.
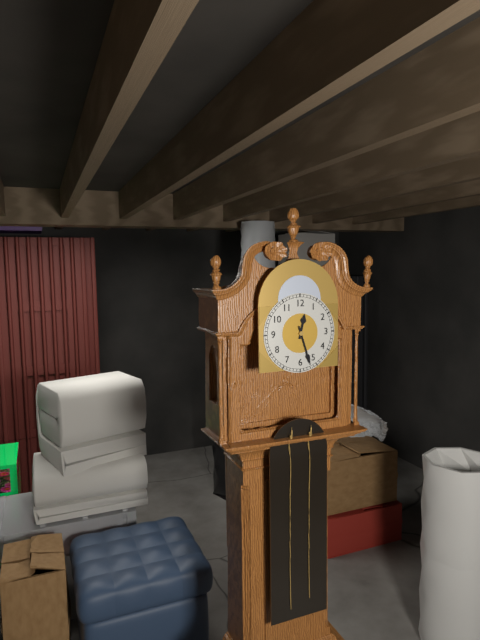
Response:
12h27
